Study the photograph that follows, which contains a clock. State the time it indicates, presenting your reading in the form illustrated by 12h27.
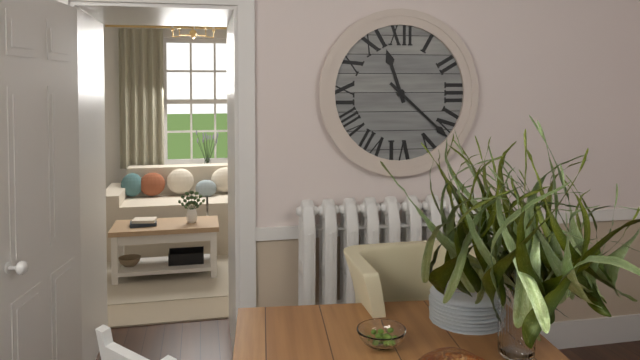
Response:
11h22
